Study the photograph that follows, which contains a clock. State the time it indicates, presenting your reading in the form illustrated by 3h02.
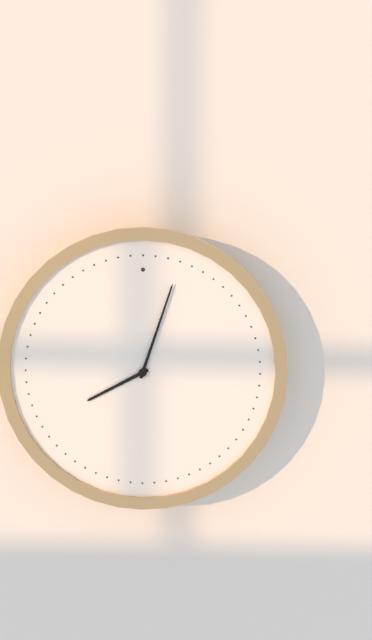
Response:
8h03
